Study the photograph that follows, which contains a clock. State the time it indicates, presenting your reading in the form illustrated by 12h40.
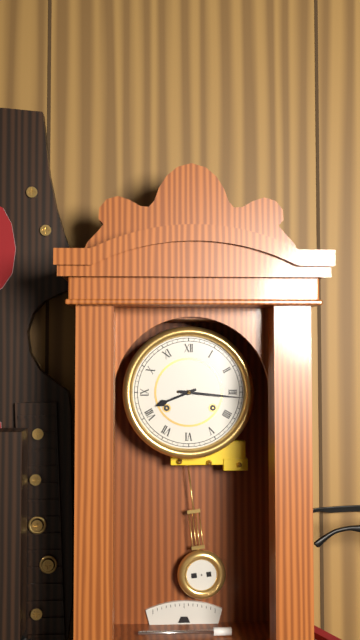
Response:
8h16
